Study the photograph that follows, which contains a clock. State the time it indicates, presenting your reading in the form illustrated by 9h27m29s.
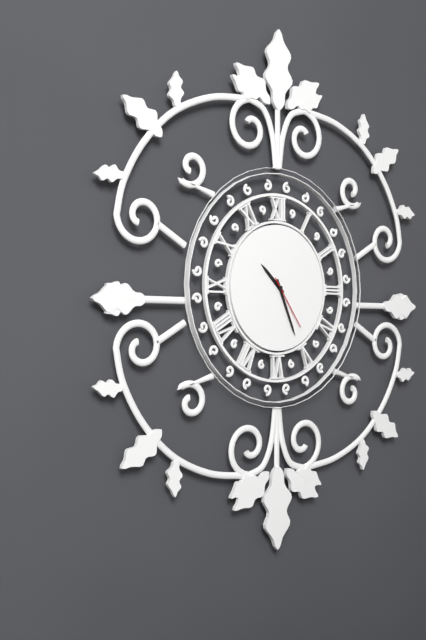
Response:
10h26m24s
